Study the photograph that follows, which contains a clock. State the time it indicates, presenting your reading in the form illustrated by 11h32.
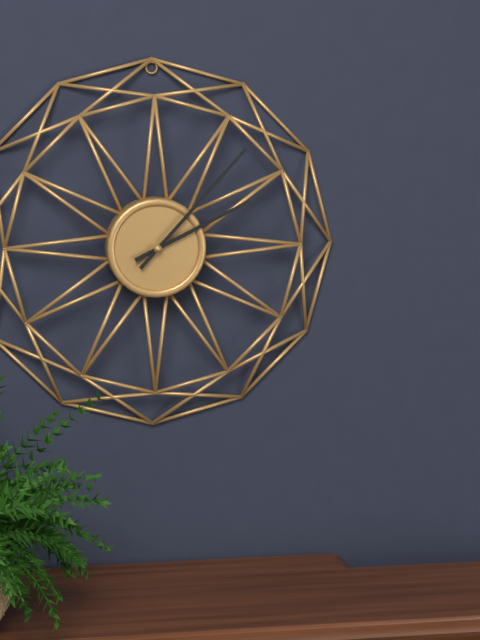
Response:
2h07
